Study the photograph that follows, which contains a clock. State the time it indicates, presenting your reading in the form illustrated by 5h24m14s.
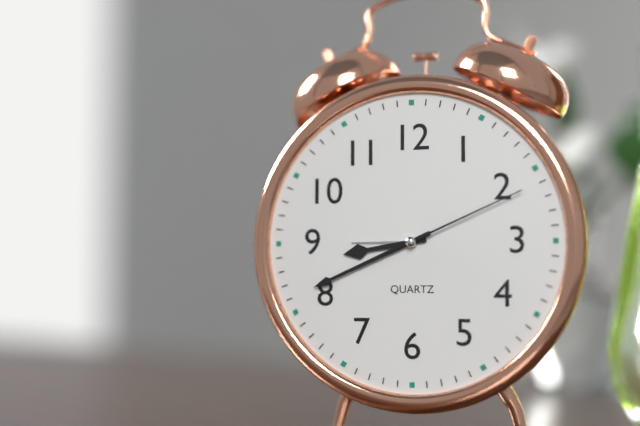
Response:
8h41m11s
